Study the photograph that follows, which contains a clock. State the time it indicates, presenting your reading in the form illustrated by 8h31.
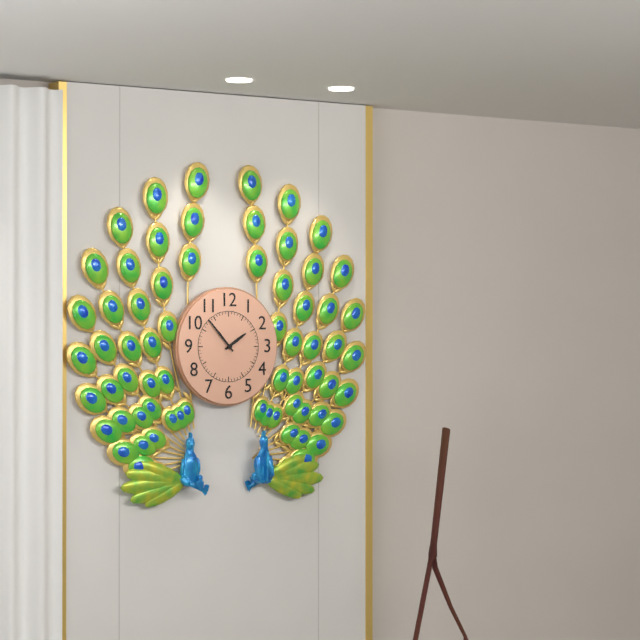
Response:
1h53
